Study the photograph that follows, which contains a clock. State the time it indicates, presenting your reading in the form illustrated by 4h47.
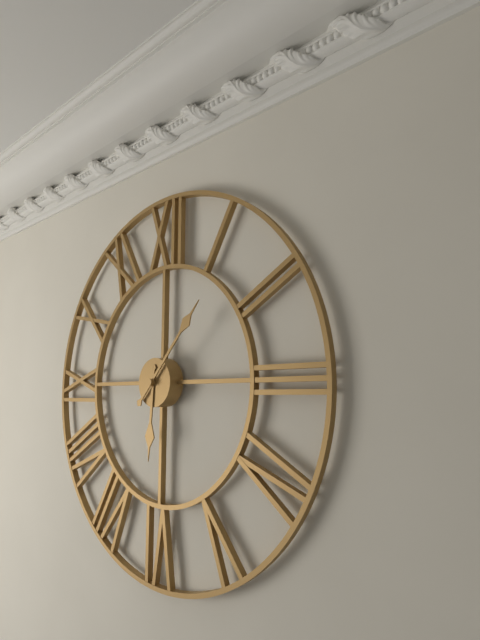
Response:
6h07
